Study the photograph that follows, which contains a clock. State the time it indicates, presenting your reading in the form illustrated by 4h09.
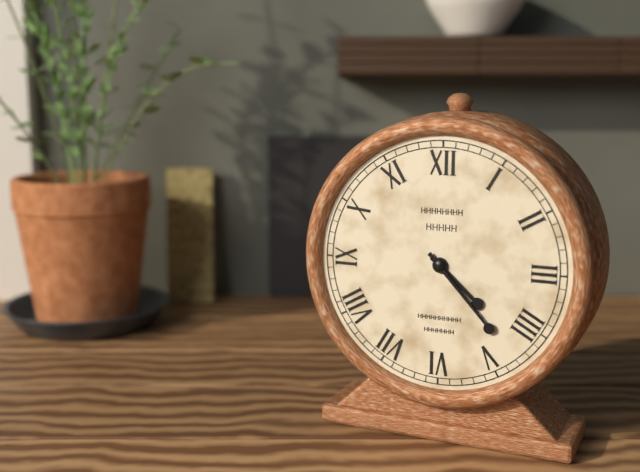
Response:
4h23
